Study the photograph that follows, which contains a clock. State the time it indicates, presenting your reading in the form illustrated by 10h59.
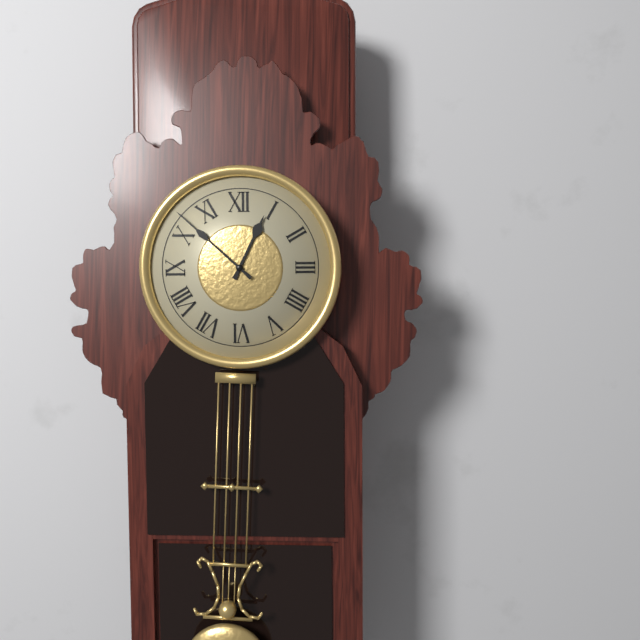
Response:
12h52
